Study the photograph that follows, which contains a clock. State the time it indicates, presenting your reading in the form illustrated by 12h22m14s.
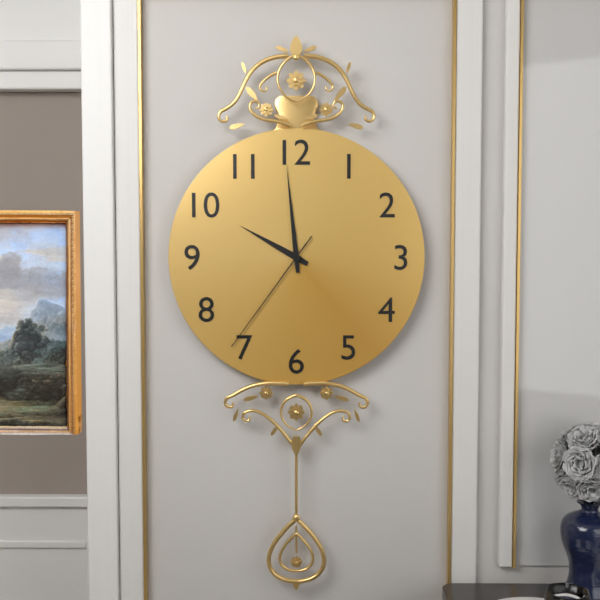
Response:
9h59m36s
